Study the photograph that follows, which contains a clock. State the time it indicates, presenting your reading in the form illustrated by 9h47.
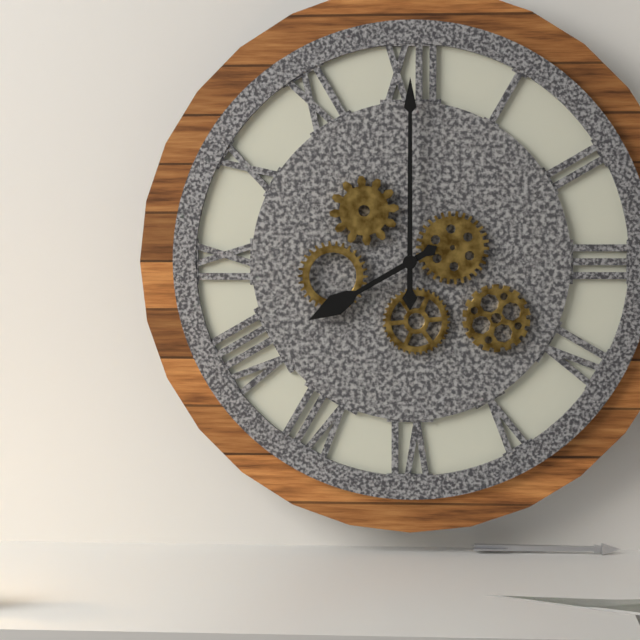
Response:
8h00
